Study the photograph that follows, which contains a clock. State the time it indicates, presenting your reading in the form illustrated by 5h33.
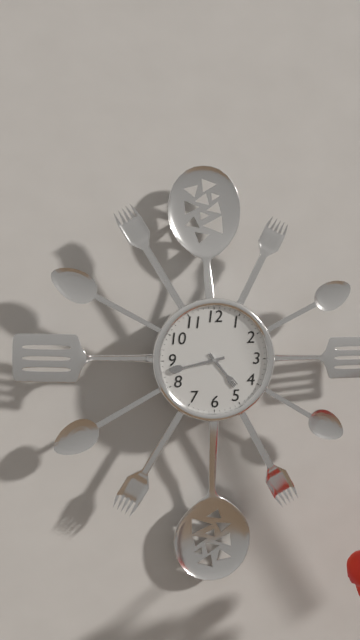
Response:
4h43
